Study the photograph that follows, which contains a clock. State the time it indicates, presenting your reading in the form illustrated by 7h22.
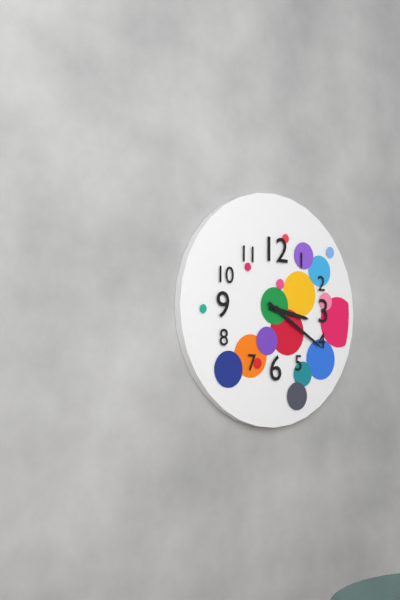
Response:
3h20
